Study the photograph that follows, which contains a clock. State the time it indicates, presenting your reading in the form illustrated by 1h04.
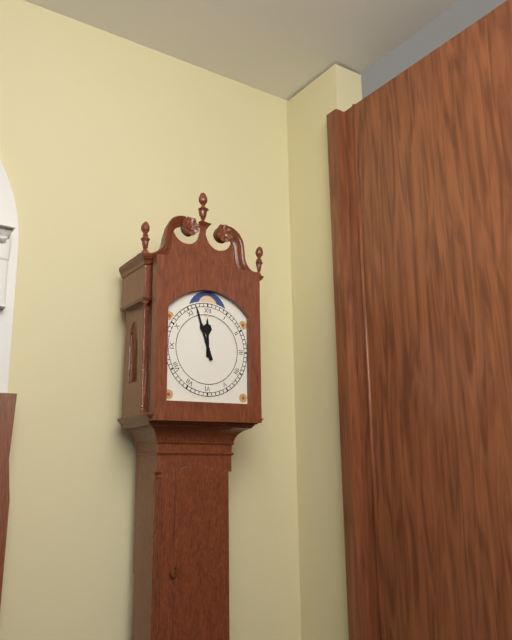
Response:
11h57
